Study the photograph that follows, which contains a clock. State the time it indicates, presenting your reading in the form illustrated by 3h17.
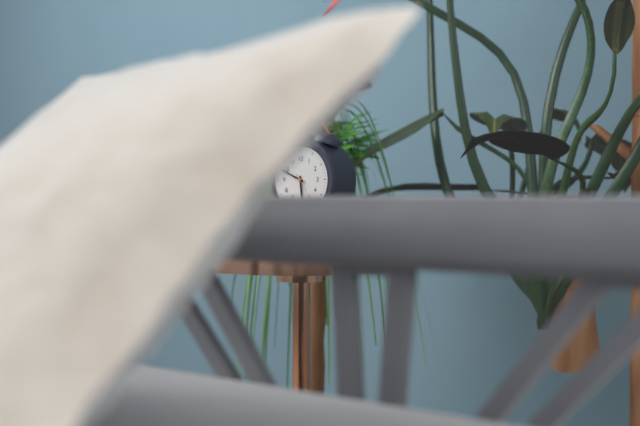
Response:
5h49
